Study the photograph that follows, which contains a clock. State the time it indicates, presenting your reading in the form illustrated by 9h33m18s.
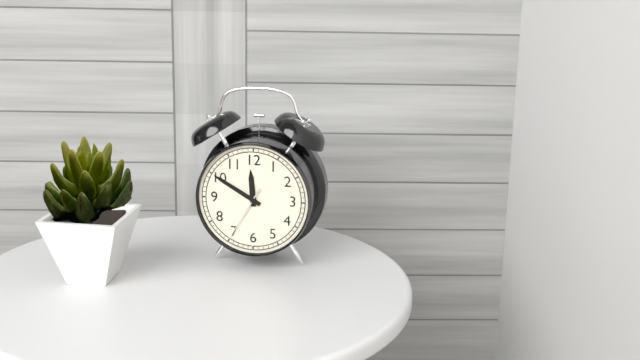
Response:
11h50m35s
